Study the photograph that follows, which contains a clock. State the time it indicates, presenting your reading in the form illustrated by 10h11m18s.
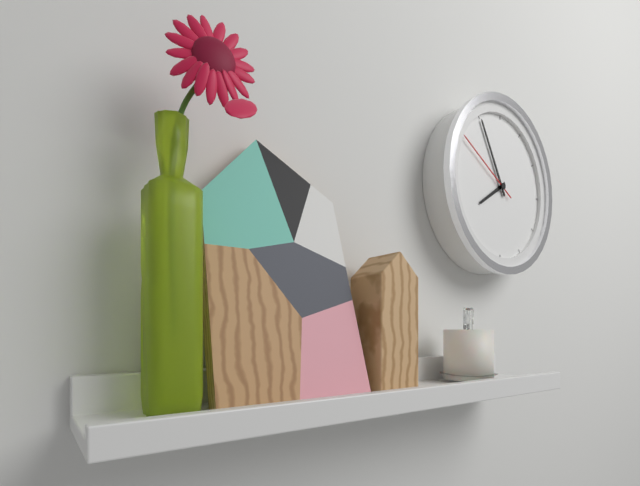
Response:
7h55m50s
